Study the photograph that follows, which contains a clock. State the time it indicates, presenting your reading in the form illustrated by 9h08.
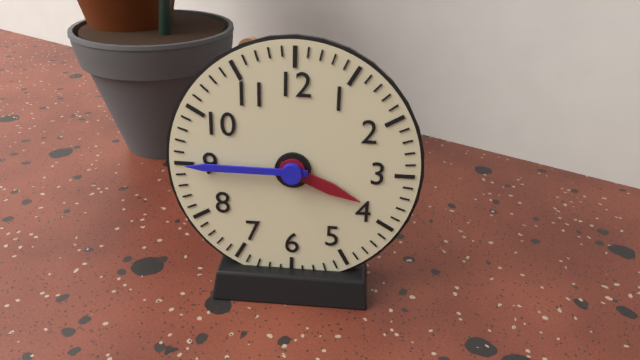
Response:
3h45
